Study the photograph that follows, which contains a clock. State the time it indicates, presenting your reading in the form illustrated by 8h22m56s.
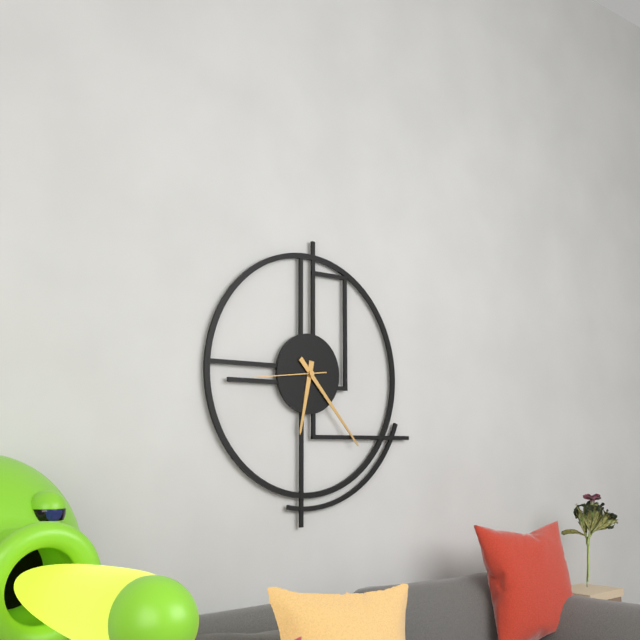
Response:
6h23m44s
